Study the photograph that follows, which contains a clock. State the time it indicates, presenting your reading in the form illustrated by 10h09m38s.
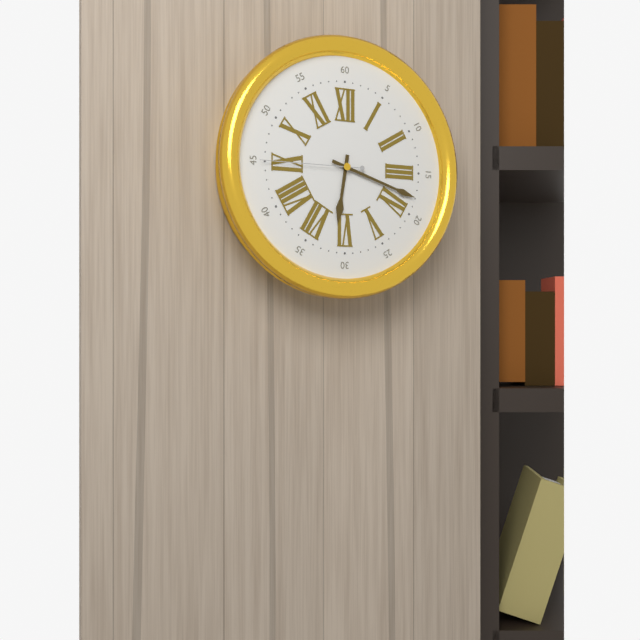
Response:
6h18m45s
